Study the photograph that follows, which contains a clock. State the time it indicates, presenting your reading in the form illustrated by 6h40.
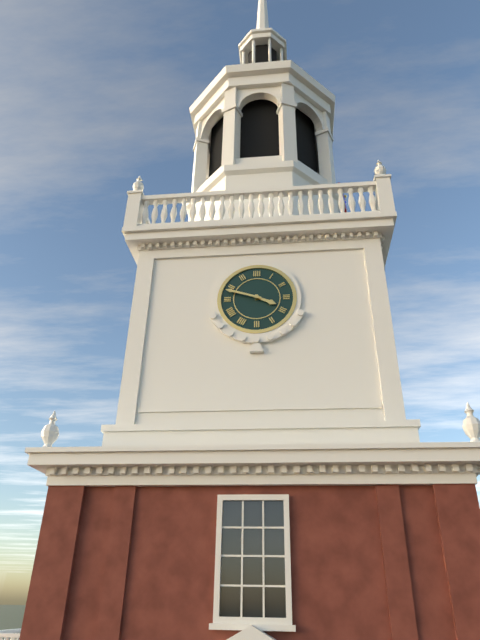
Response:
3h48
